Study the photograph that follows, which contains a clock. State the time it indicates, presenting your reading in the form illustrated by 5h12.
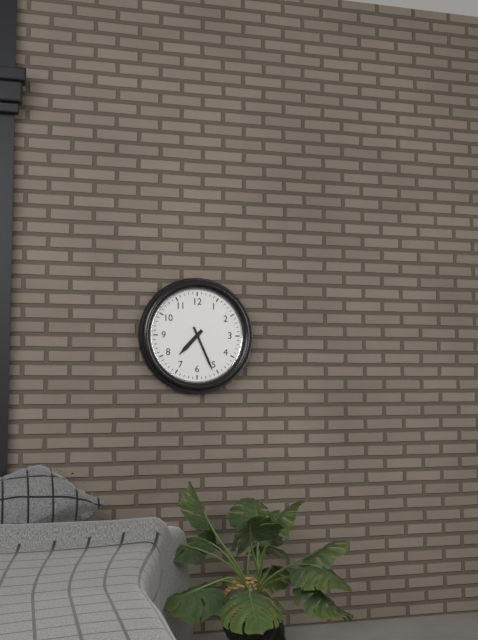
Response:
7h26
